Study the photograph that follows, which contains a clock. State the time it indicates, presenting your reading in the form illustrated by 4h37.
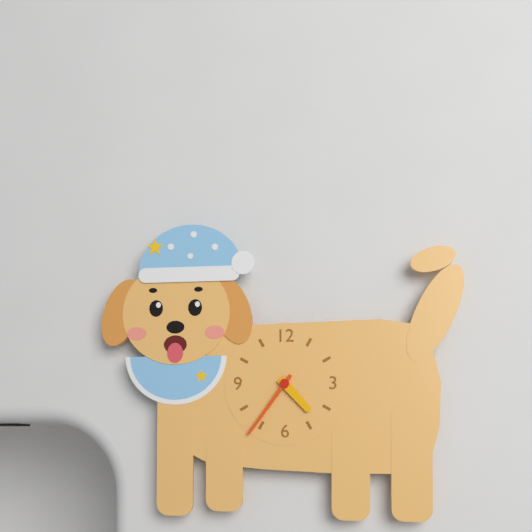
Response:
4h36
